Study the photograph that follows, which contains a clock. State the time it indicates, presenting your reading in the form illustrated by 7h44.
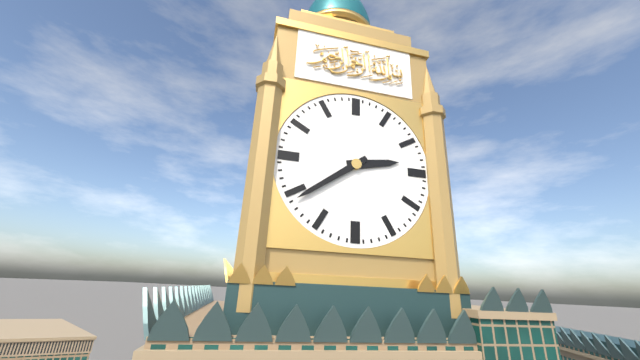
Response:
2h39
